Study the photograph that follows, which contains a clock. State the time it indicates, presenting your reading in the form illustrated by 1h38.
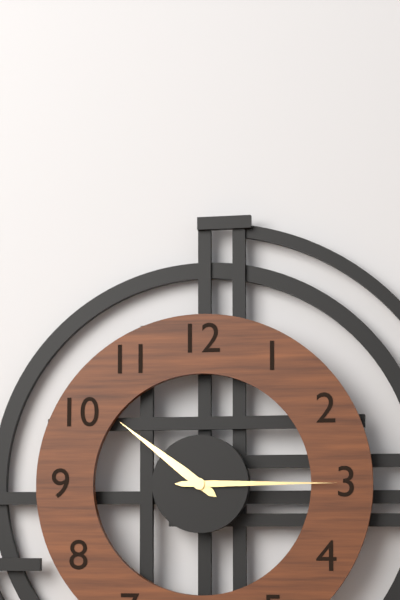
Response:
10h15
